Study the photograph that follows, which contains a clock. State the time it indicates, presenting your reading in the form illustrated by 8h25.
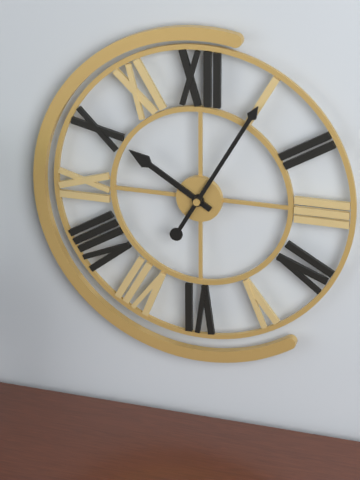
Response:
10h05
